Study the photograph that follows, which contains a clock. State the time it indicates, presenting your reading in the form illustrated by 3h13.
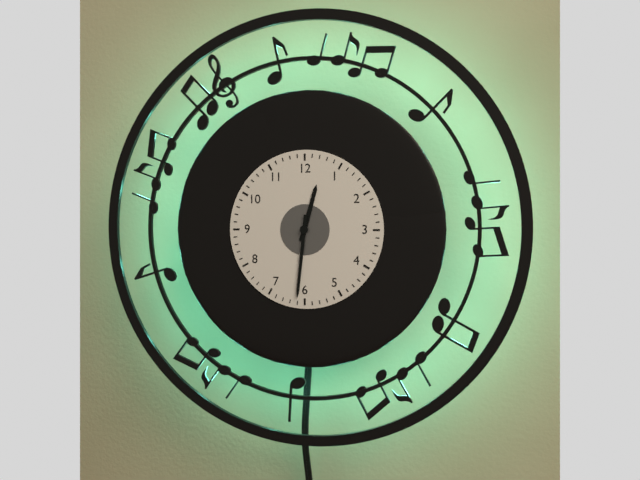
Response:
12h31
